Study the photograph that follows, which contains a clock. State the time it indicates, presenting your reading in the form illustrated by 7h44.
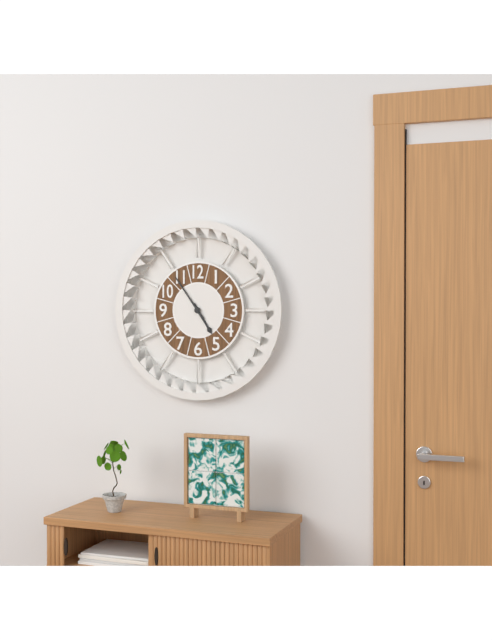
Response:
4h54
